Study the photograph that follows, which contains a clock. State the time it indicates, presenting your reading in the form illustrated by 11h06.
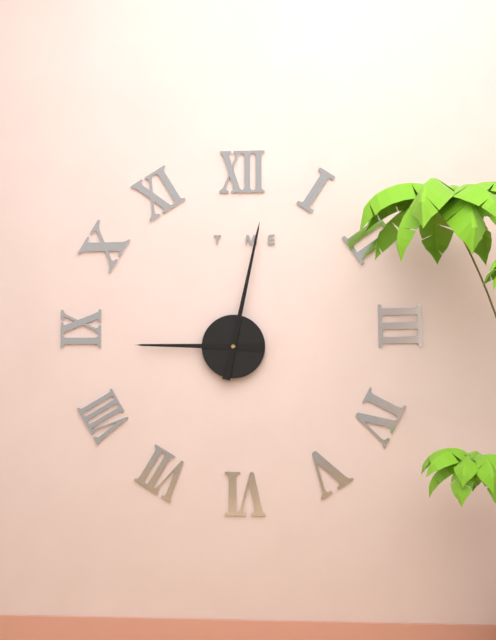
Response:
9h02
